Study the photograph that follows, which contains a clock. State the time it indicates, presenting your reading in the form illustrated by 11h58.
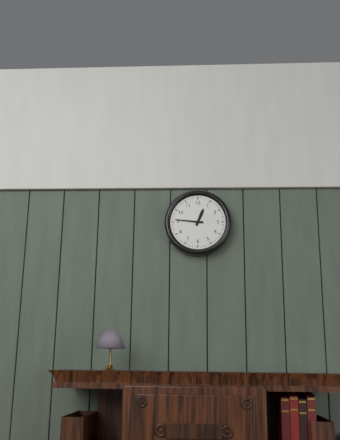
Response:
12h46
